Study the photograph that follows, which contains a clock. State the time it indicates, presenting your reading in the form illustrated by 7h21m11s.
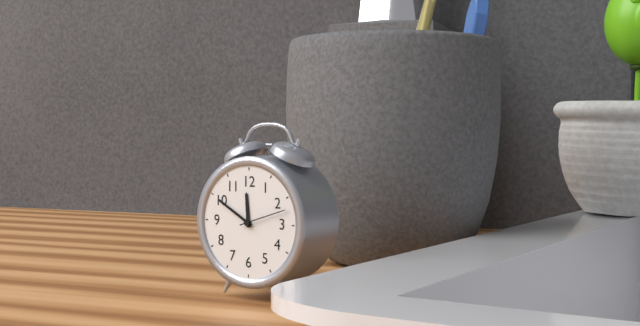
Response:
11h50m12s
